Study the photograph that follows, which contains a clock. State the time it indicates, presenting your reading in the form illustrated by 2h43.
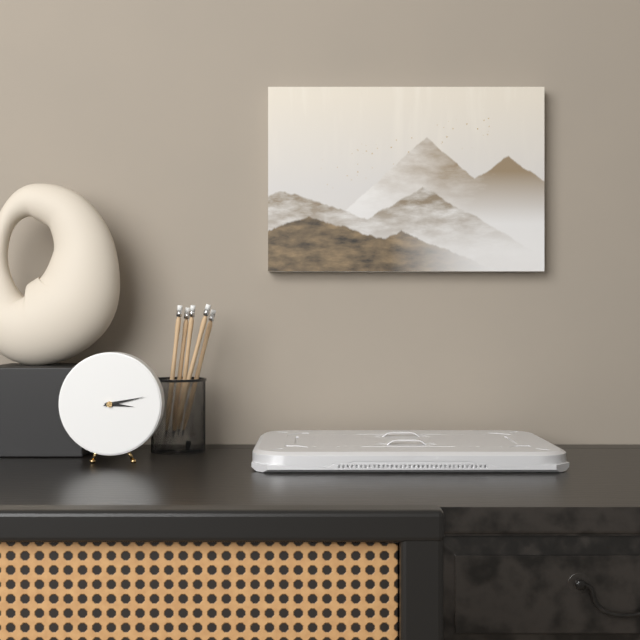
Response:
3h13
